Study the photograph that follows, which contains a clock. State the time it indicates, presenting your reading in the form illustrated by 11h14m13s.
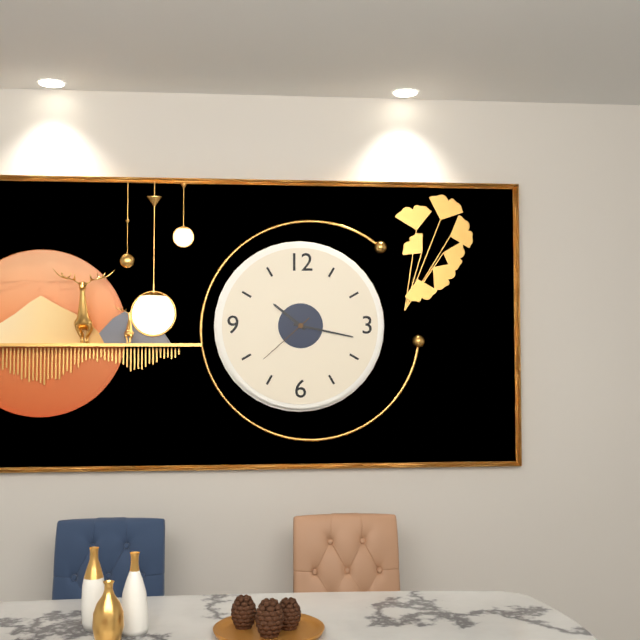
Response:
10h17m38s
